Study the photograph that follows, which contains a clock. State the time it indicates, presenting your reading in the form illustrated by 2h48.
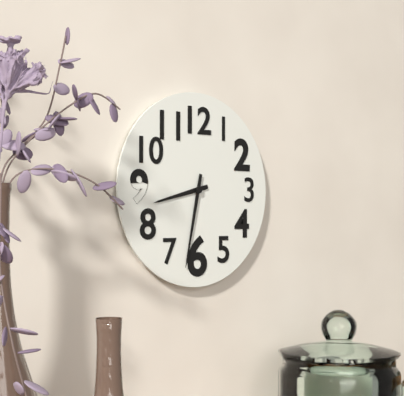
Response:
8h32
